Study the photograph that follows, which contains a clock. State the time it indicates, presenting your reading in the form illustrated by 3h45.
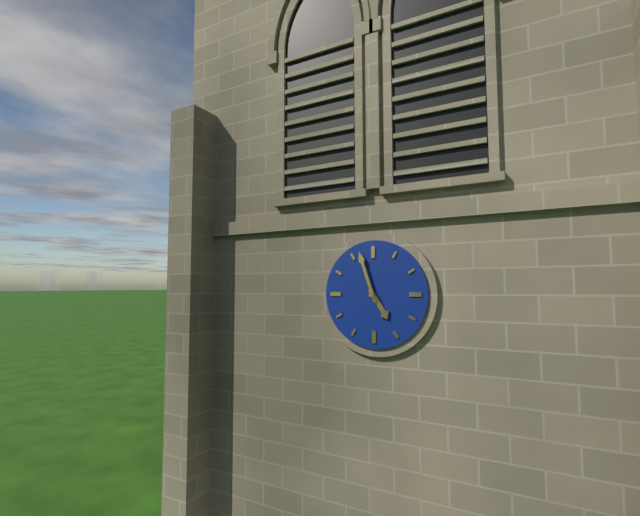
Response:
4h57
